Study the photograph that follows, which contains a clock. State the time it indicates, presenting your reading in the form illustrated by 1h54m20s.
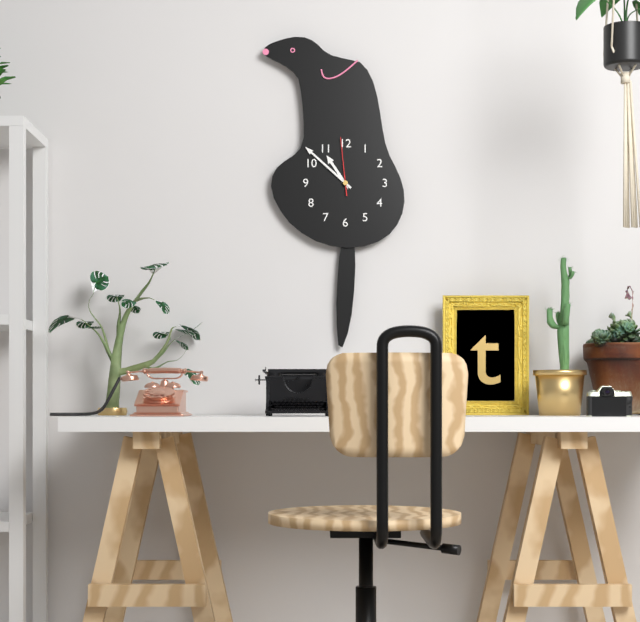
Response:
10h52m59s
